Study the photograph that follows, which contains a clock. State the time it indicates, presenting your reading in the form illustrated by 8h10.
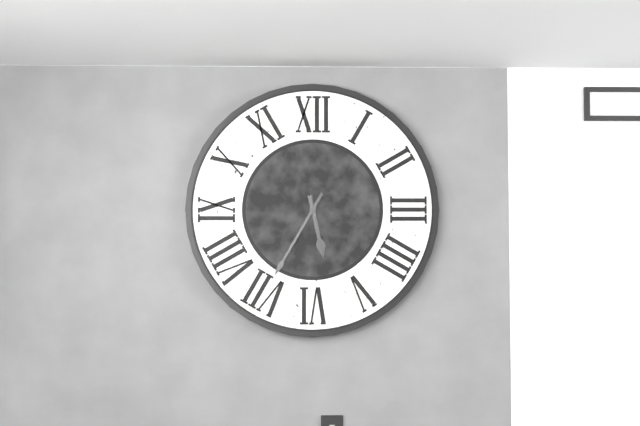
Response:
5h35
